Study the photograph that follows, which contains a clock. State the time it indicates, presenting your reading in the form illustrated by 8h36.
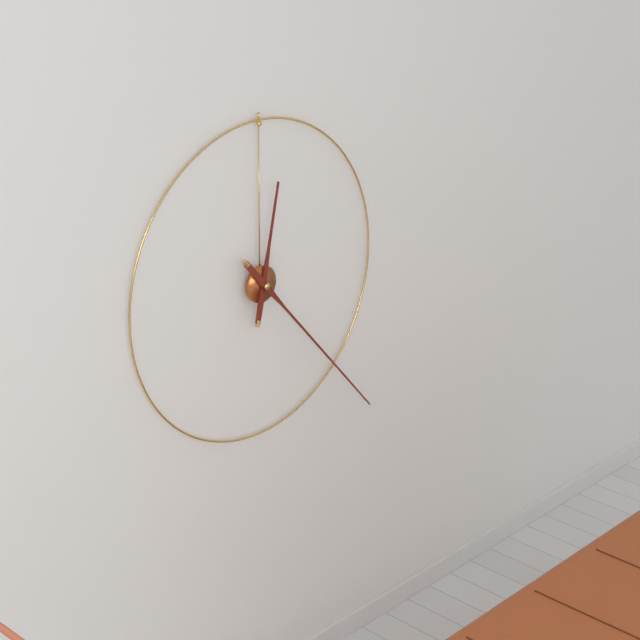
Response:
12h23
